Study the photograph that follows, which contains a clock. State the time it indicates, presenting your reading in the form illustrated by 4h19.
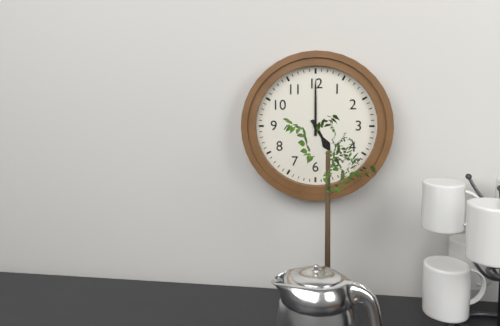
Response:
5h00
